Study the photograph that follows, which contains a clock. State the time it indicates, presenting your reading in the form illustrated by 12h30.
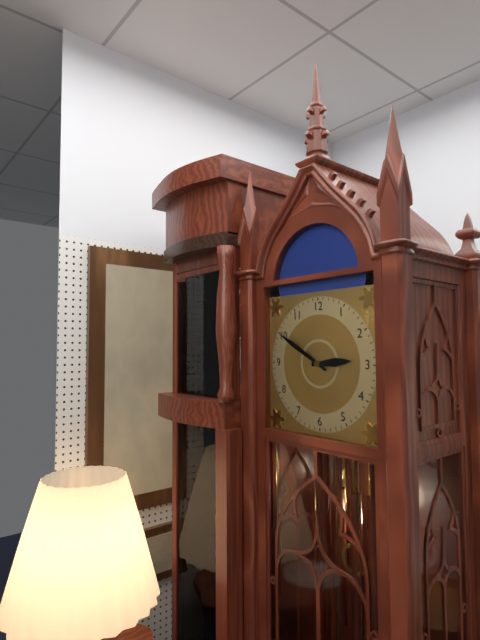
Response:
2h50
